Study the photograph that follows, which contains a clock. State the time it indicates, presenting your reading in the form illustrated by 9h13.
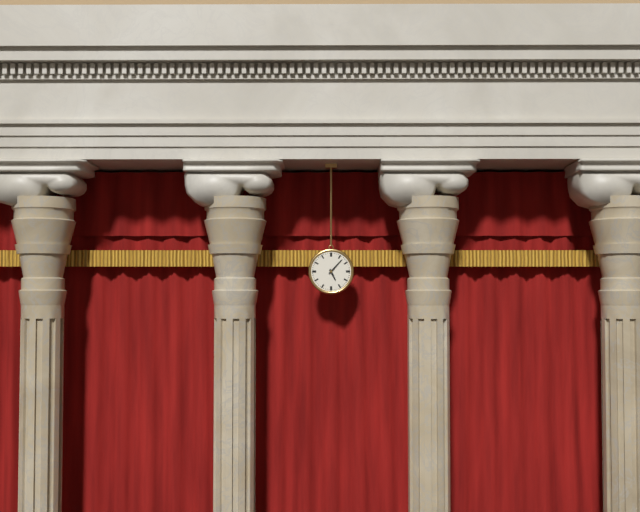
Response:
5h07
